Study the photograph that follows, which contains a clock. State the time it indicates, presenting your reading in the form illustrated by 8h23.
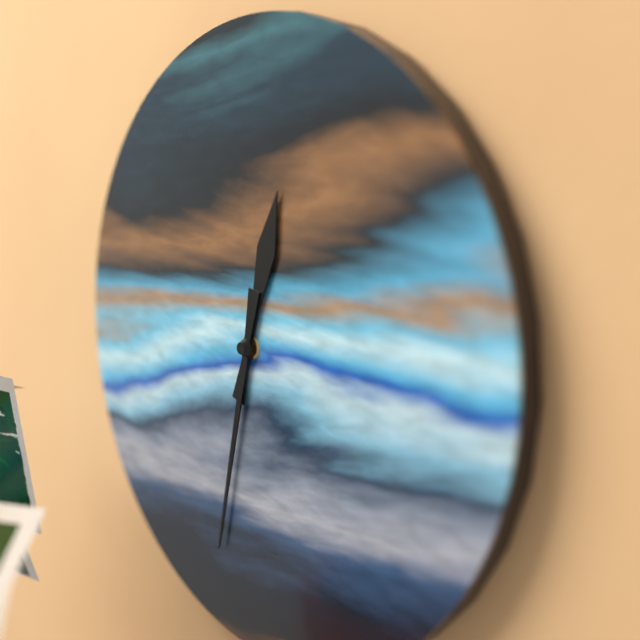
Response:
12h32
